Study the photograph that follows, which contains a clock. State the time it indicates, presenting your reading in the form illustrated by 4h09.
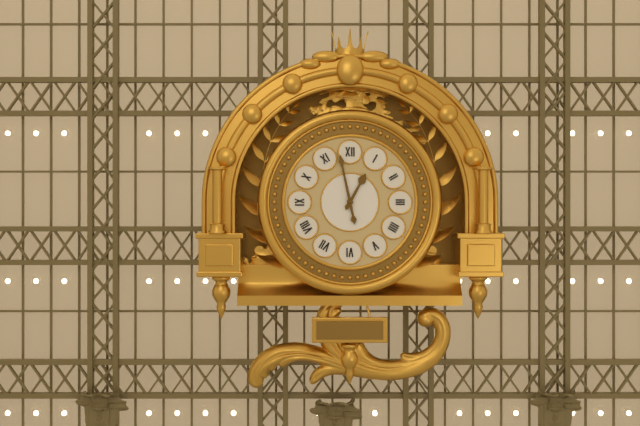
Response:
12h58
